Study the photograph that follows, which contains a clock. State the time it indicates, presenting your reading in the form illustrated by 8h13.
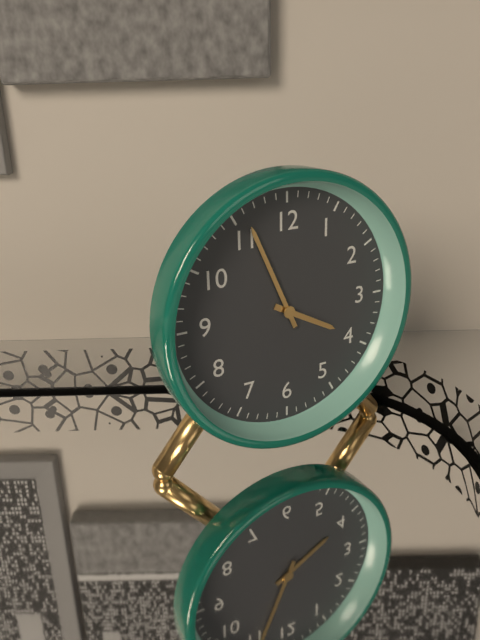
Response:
3h56
